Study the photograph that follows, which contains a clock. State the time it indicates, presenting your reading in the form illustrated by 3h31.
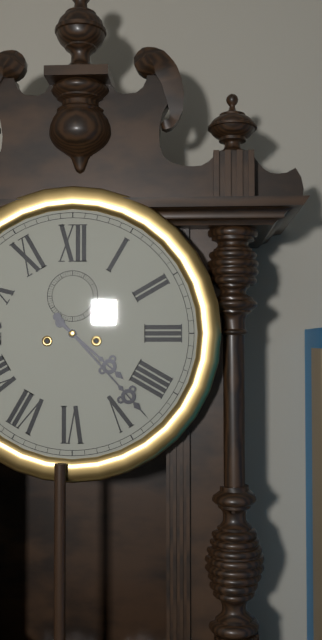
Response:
4h23
